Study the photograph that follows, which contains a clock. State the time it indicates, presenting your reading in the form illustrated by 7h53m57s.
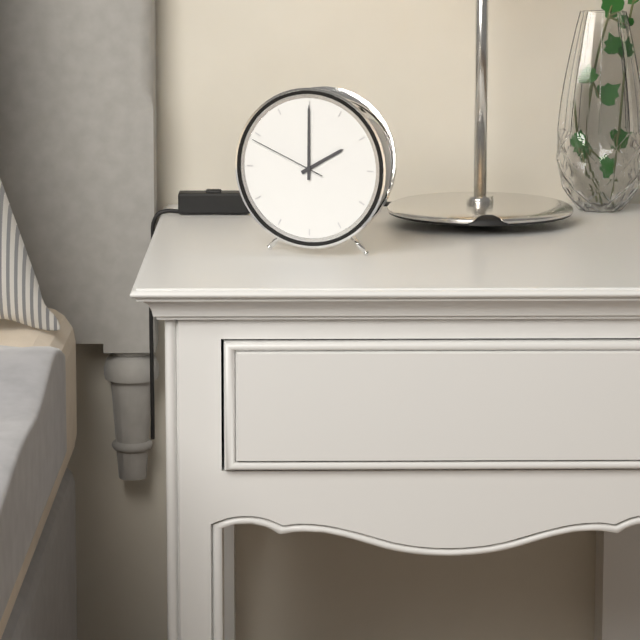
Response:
2h00m49s
